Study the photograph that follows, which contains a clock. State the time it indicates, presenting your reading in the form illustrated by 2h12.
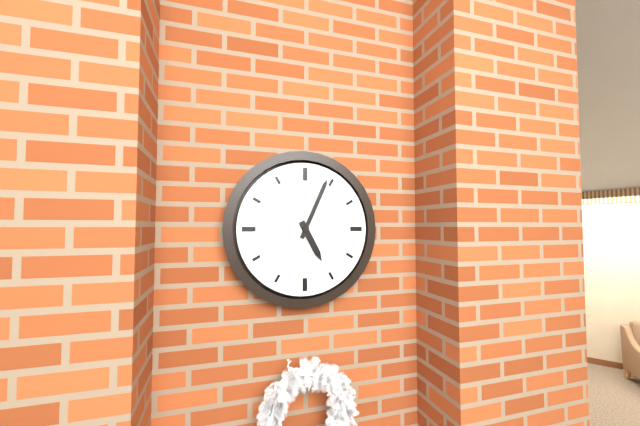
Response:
5h04
